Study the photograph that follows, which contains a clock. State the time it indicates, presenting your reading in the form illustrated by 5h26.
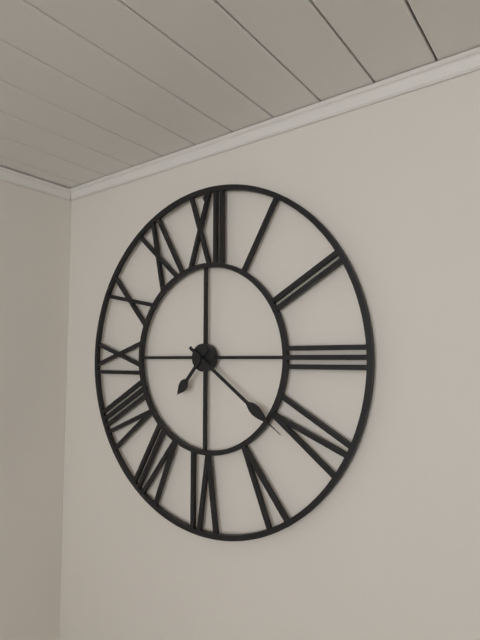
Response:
7h21
